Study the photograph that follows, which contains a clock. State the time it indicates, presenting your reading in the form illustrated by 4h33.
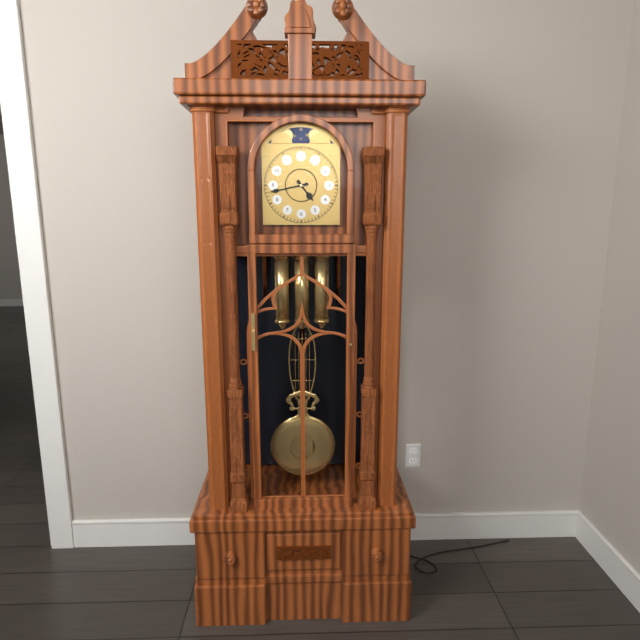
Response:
4h43
